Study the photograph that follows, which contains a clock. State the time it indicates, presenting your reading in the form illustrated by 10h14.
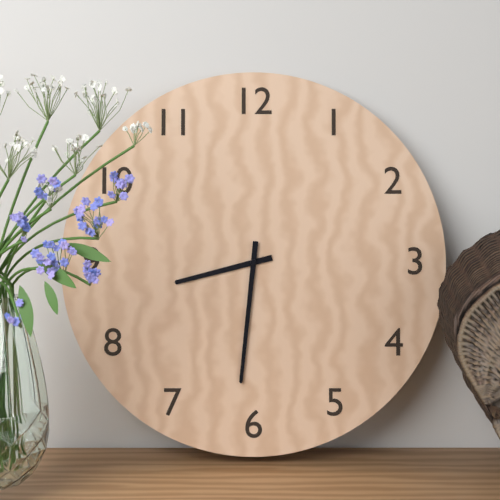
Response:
8h31
